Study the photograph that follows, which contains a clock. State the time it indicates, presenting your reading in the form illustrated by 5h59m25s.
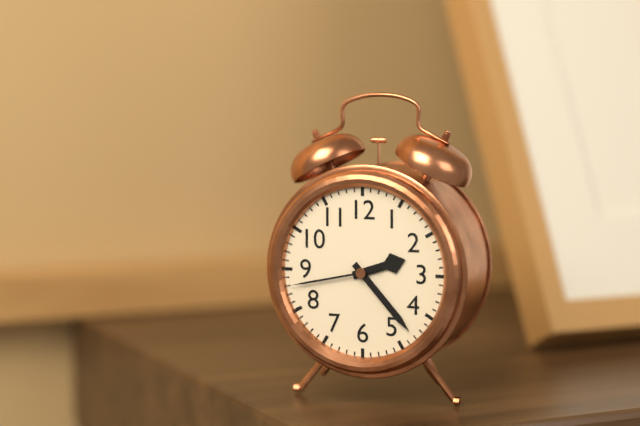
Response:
2h23m43s
